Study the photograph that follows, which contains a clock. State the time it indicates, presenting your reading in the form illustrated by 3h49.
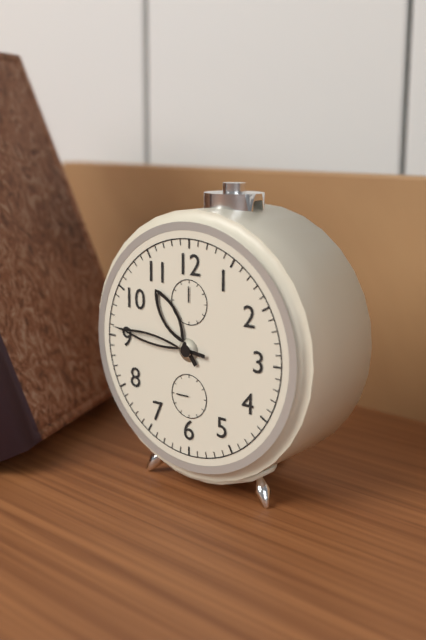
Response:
10h46
